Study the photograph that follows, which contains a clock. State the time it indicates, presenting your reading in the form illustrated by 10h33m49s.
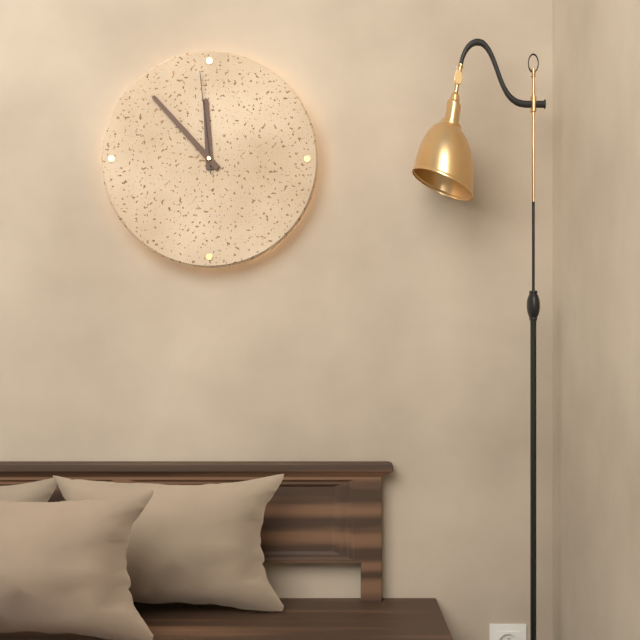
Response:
11h53m59s
